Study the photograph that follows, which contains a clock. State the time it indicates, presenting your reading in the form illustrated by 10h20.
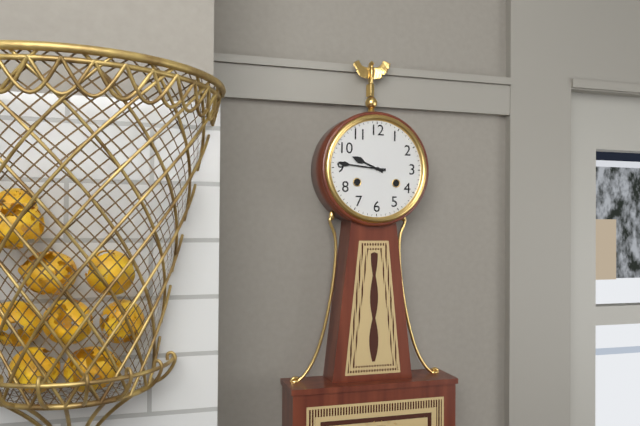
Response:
9h46
